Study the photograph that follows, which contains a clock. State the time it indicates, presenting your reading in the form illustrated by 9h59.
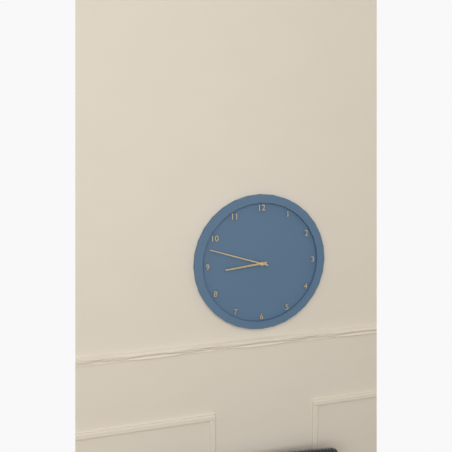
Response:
8h48
